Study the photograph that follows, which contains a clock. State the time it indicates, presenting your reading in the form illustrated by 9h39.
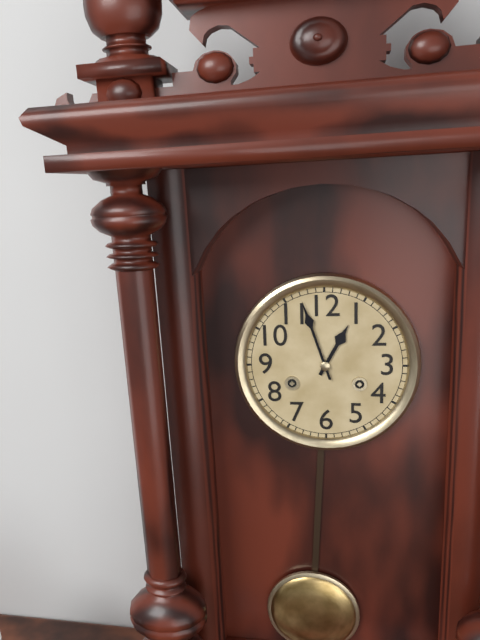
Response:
12h57
